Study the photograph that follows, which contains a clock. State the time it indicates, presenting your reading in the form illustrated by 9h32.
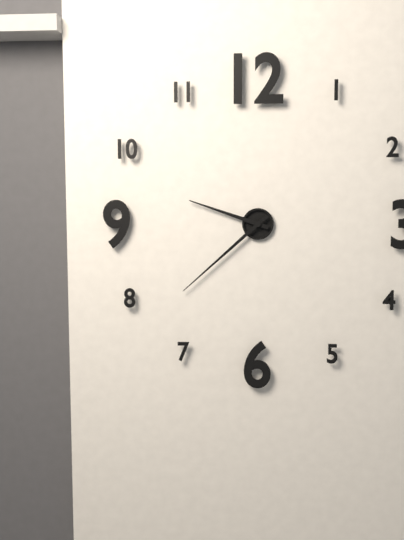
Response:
9h38
